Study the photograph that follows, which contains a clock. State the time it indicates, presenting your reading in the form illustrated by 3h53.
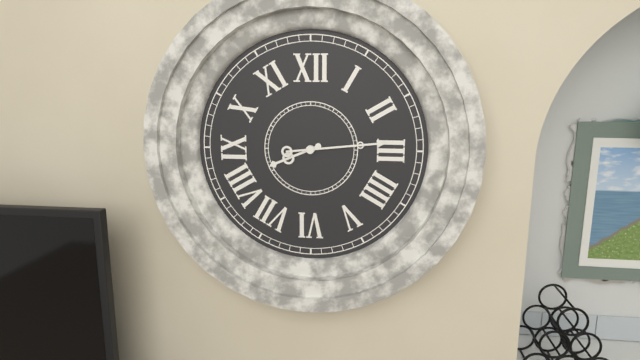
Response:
8h14
